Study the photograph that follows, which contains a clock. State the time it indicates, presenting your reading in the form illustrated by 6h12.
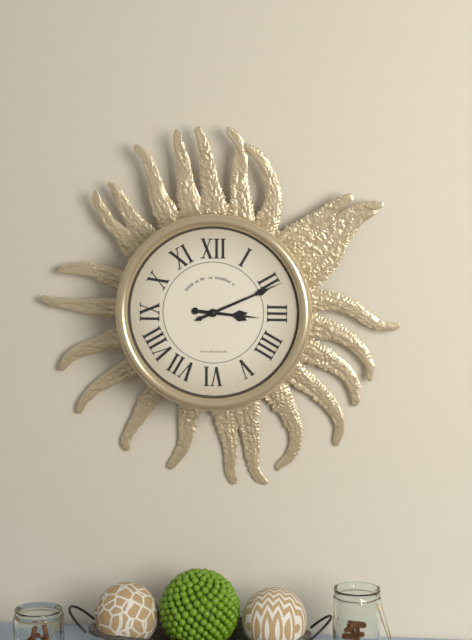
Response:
3h11
